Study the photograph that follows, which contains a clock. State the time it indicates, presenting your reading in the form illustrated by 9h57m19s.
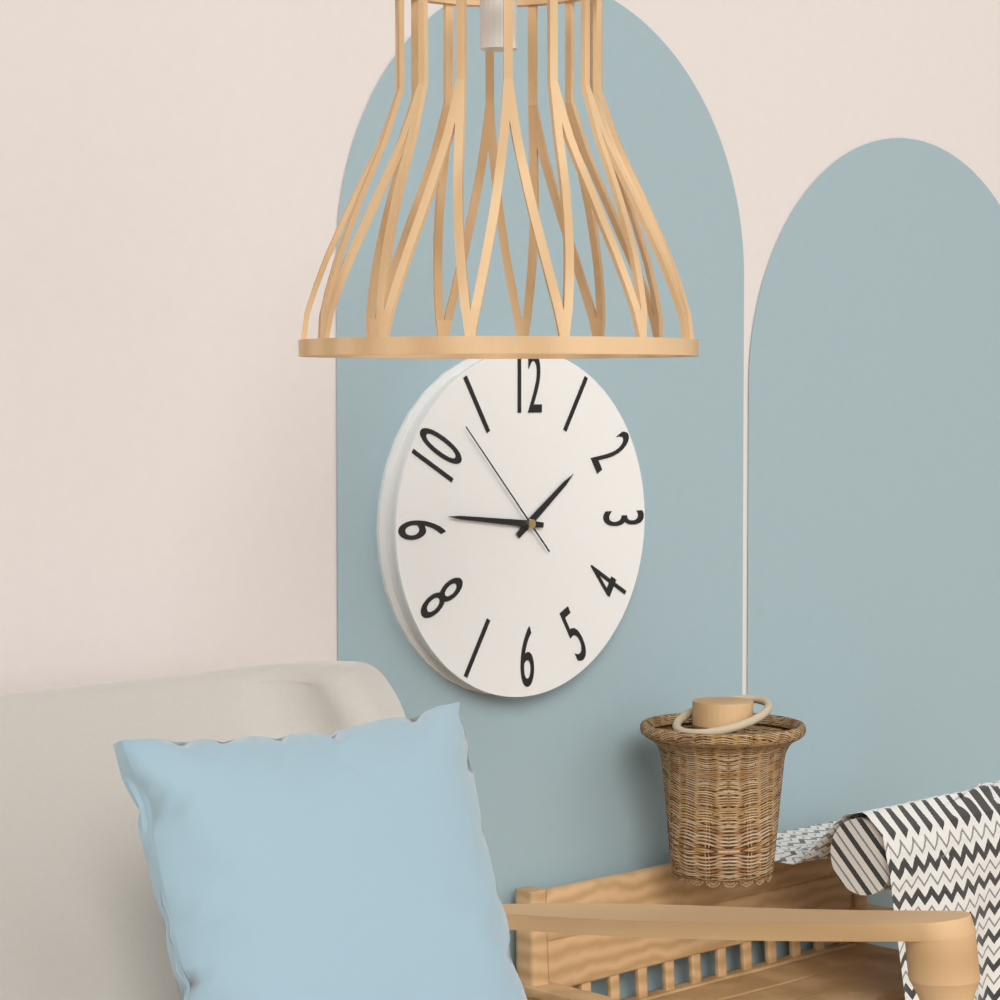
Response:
1h46m53s
